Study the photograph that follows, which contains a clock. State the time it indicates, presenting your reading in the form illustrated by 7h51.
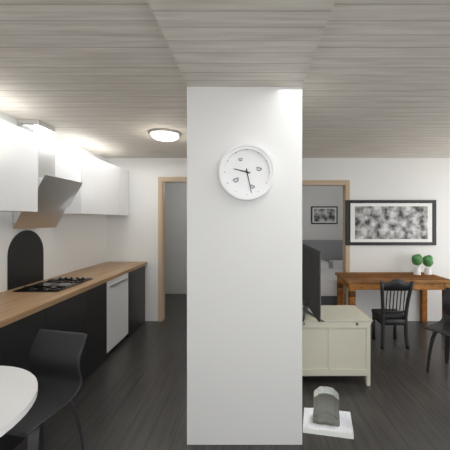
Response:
9h28
